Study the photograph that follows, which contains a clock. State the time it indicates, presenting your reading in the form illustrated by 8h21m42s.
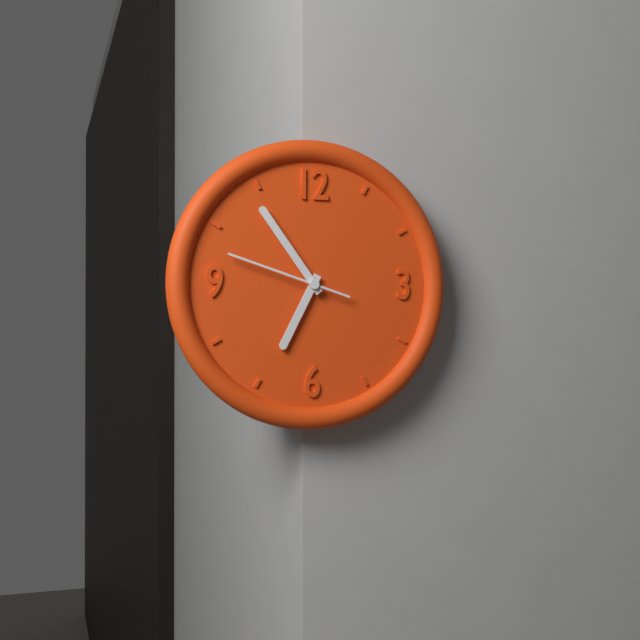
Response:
6h54m48s
